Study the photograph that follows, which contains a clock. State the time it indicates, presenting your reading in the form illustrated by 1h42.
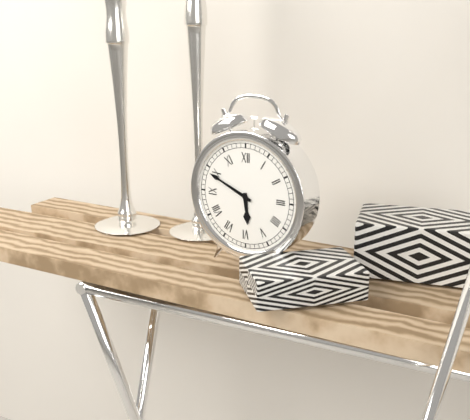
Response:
5h49
